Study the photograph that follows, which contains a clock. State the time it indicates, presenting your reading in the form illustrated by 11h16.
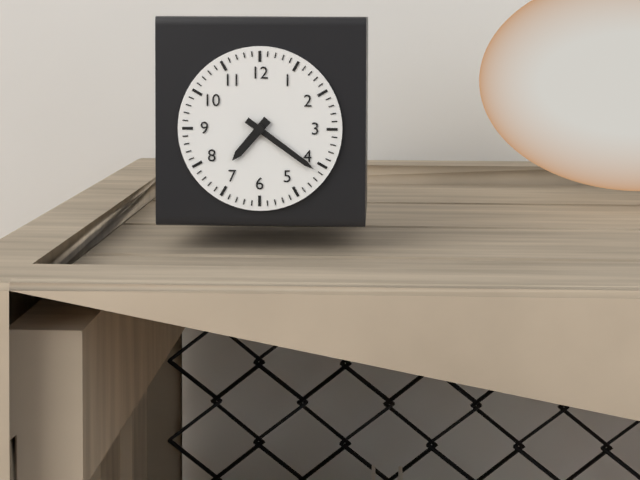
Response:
7h21
